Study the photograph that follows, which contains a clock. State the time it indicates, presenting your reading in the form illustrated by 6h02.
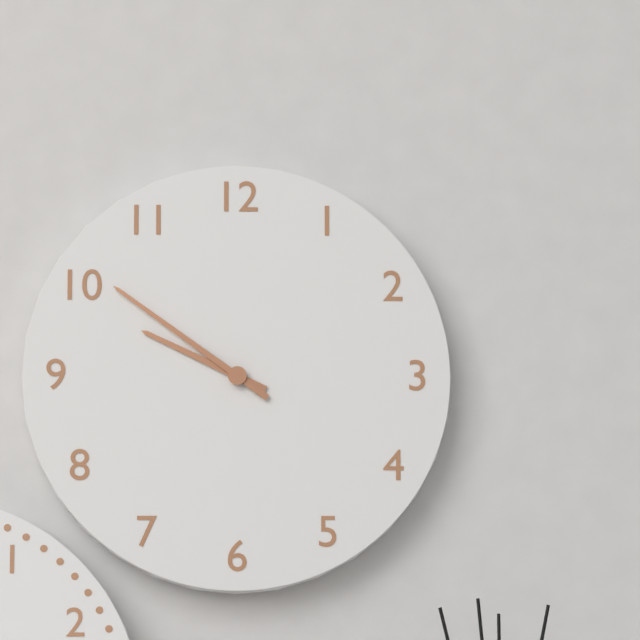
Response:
9h51
